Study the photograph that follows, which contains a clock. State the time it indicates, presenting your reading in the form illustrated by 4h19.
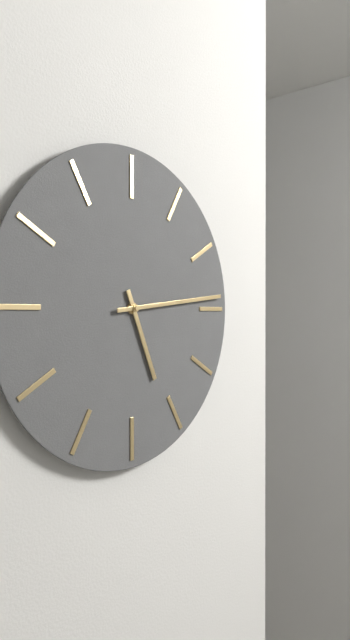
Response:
5h14
